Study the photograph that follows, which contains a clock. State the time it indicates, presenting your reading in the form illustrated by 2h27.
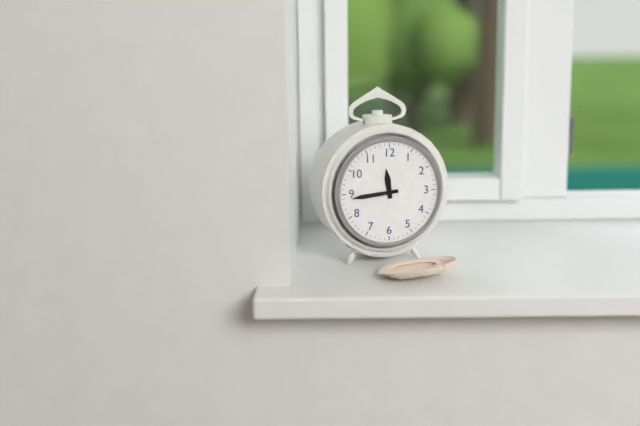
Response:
11h44
